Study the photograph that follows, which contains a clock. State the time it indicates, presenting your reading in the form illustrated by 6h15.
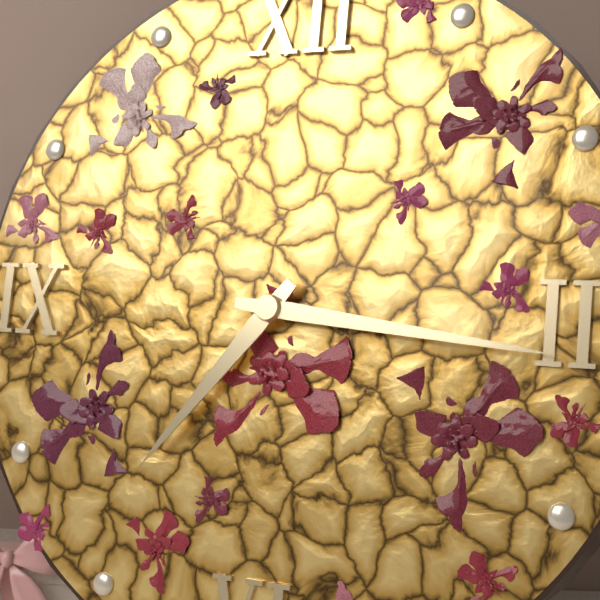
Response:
7h16
